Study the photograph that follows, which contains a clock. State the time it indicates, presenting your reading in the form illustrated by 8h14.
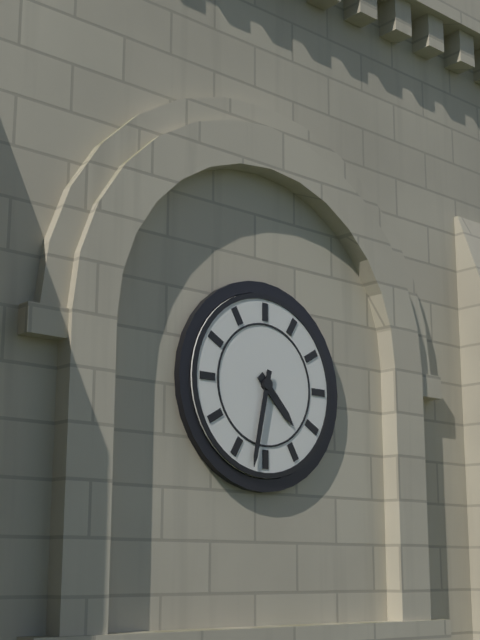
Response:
4h32
